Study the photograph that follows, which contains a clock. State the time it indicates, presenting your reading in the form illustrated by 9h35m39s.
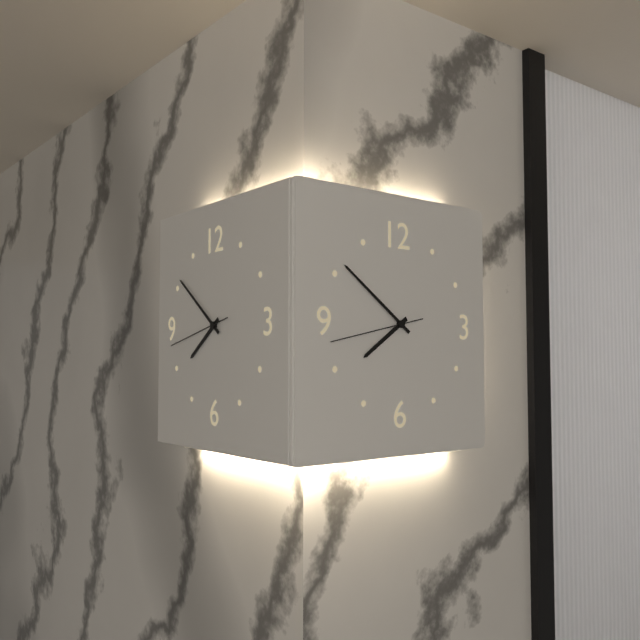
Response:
7h51m43s
